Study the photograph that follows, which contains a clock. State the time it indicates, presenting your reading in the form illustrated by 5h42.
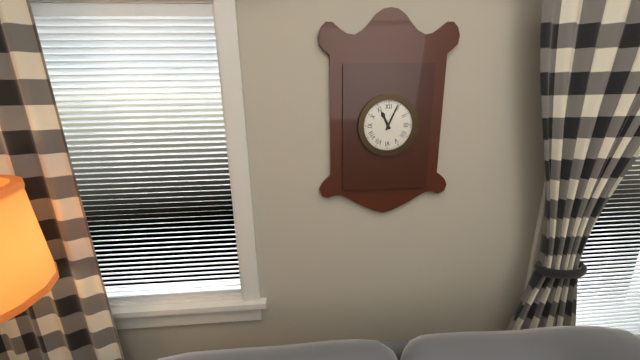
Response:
11h04
